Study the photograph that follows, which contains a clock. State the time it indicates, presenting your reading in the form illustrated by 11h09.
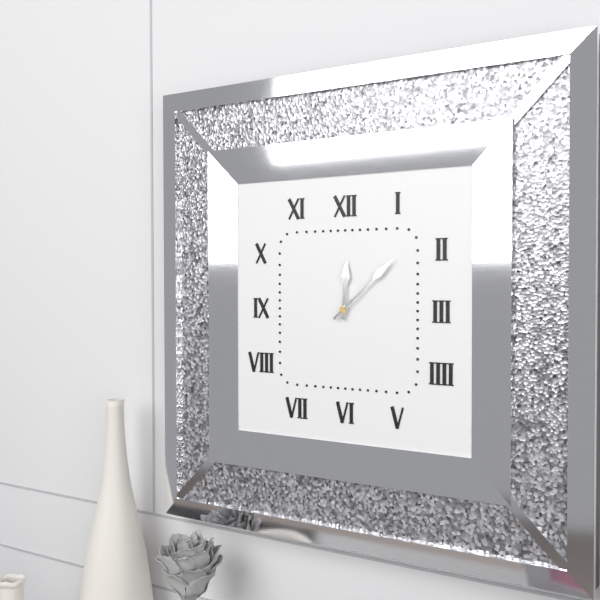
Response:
12h08
